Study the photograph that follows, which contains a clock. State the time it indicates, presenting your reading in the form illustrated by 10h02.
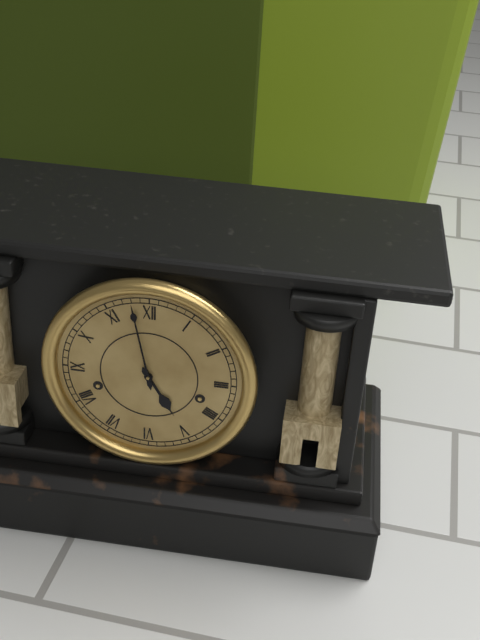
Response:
4h58
